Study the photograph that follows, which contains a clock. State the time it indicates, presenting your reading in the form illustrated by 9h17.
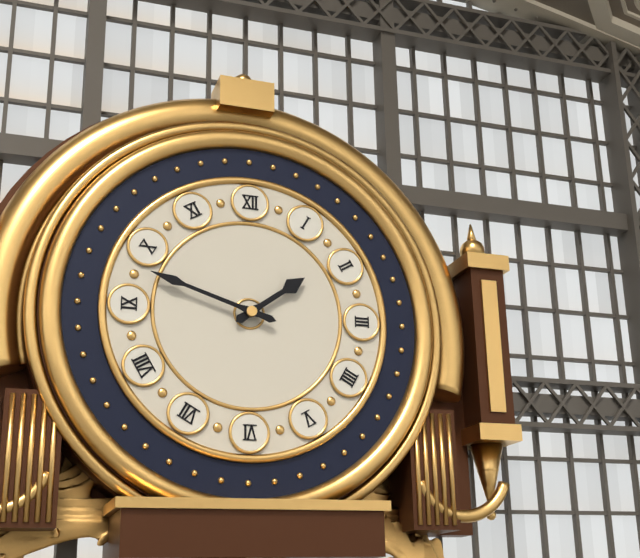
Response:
1h48
